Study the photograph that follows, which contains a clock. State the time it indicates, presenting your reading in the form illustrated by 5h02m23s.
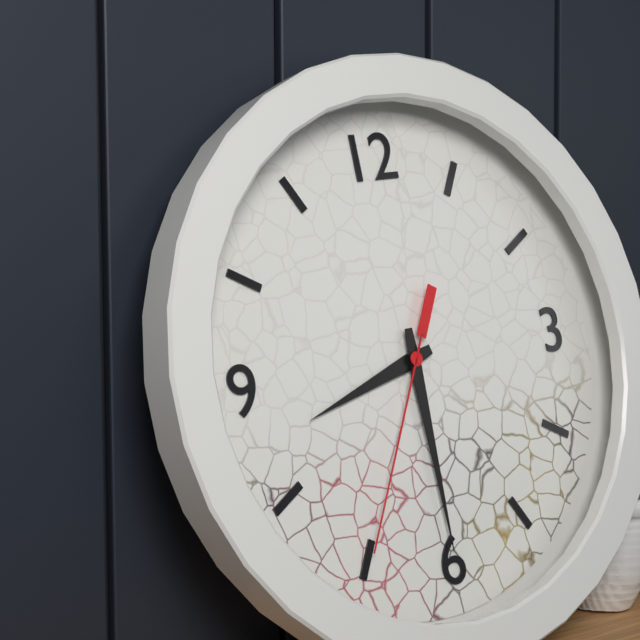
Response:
8h30m35s
